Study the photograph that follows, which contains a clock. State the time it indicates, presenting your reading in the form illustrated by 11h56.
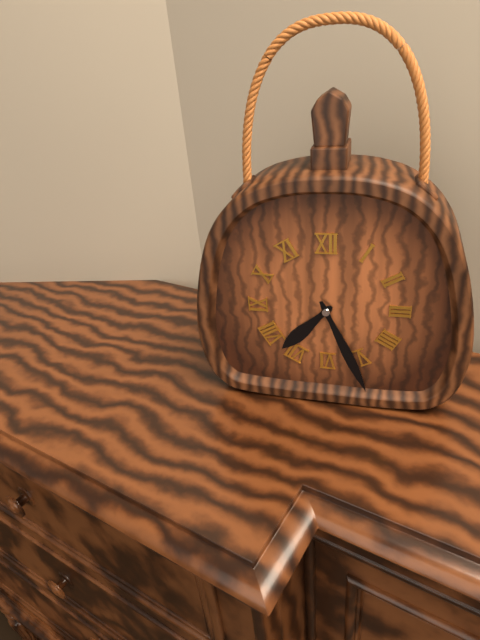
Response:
7h26
